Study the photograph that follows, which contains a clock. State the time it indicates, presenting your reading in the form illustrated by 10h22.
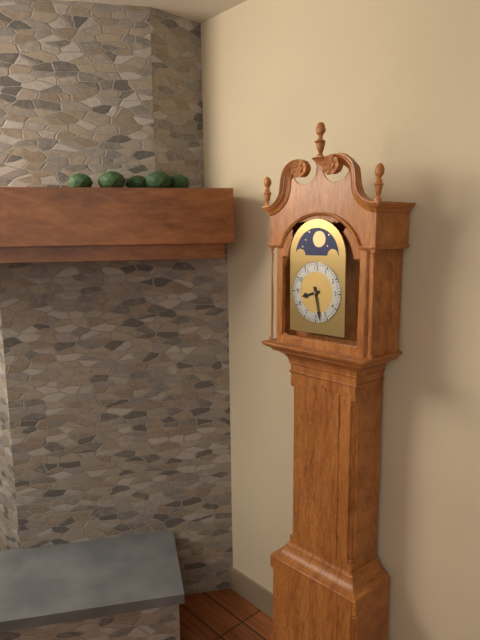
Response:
8h28
